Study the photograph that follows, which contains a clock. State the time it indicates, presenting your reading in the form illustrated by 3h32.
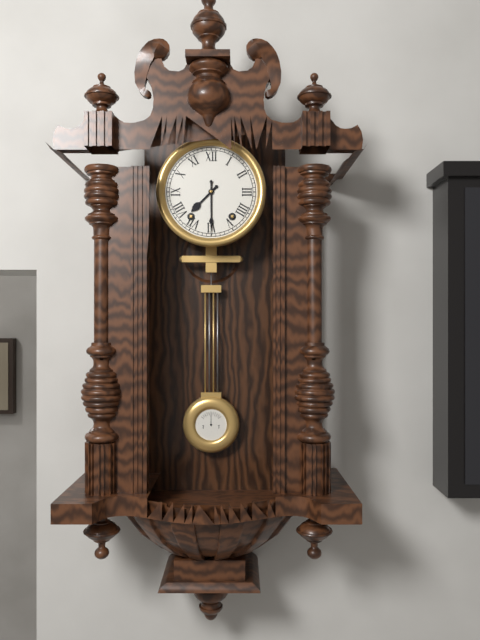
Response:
7h30
